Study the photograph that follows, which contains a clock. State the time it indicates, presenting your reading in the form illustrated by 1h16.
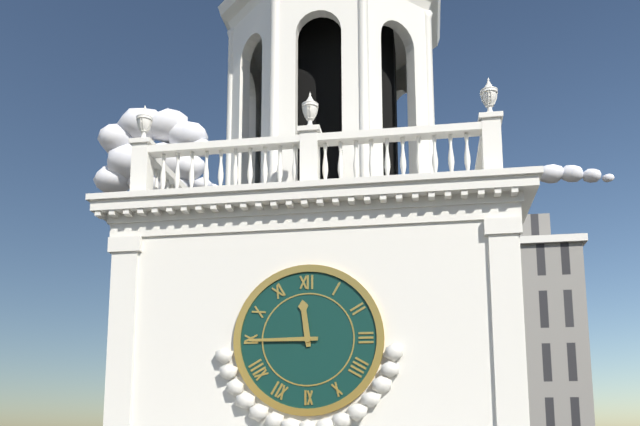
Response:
11h45
